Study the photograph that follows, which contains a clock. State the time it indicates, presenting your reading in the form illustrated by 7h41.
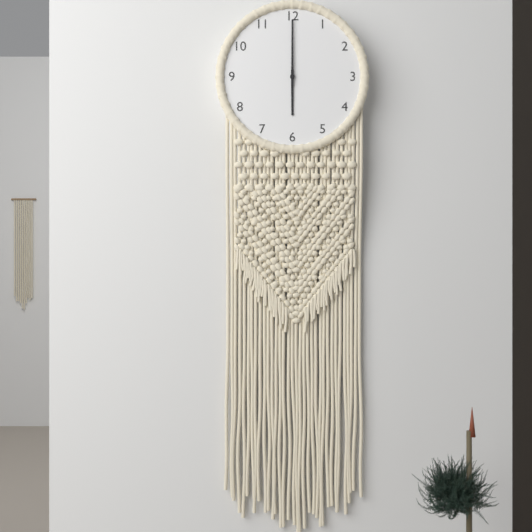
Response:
6h00
